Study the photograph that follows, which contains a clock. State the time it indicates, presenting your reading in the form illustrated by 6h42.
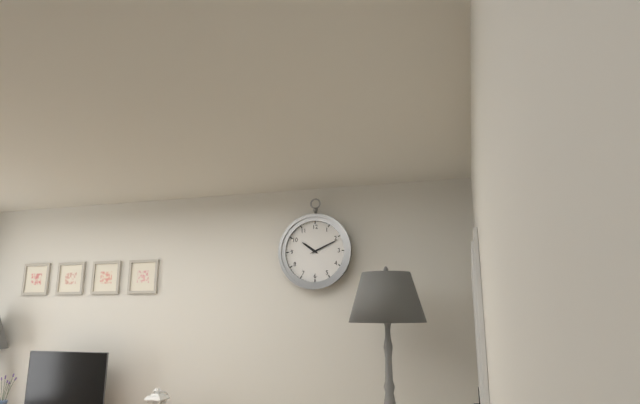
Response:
10h11
